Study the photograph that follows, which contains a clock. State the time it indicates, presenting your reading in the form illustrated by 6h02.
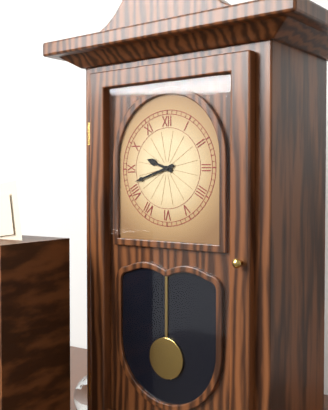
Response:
9h42
